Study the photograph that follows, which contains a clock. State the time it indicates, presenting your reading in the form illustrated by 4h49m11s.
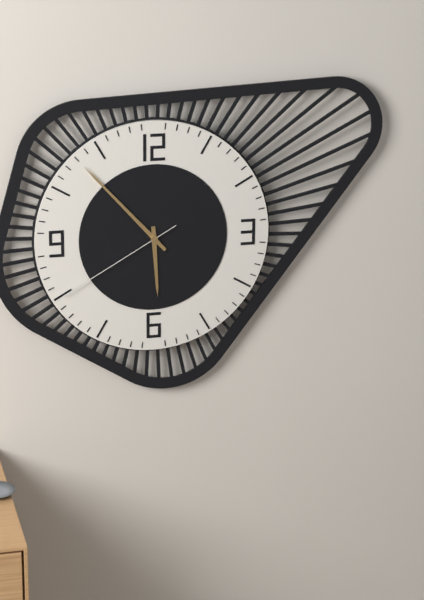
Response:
5h53m40s
